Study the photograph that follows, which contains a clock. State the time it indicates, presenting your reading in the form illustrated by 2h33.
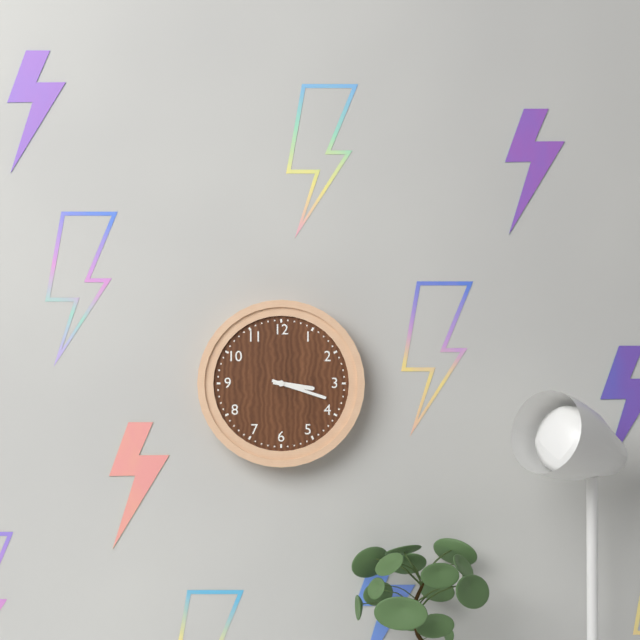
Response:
3h18
